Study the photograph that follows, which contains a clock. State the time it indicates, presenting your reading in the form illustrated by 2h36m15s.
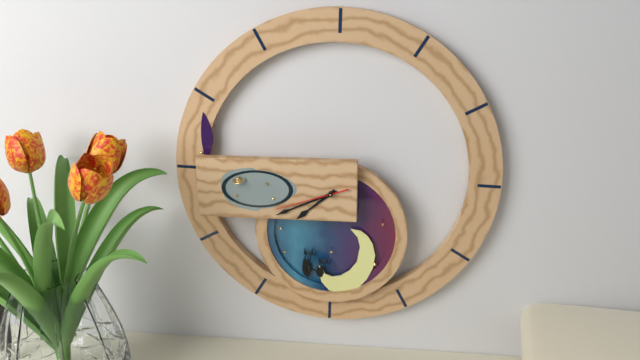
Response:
7h41m42s
